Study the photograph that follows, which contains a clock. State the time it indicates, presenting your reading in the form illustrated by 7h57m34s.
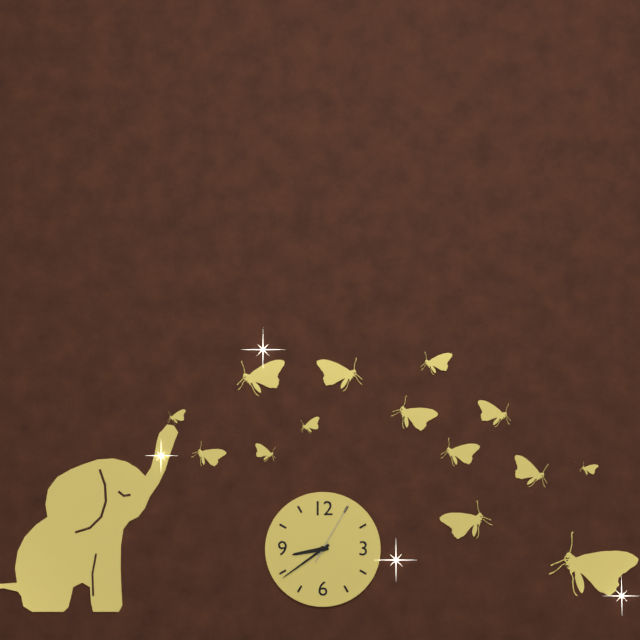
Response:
8h39m05s
